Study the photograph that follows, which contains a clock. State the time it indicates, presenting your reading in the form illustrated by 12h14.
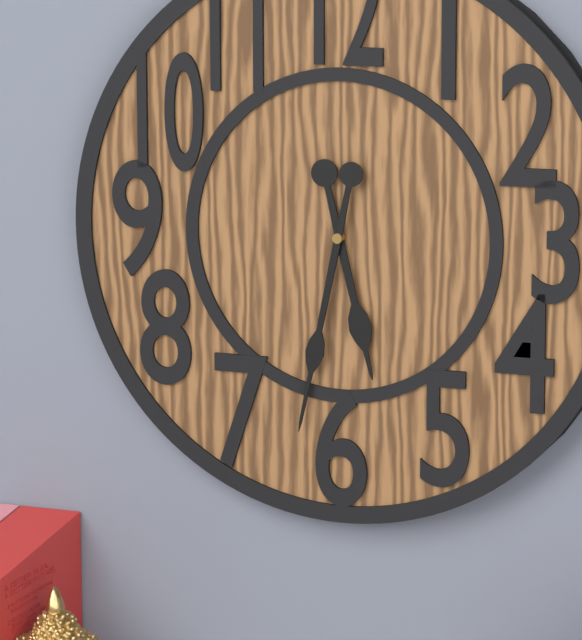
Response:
5h32
